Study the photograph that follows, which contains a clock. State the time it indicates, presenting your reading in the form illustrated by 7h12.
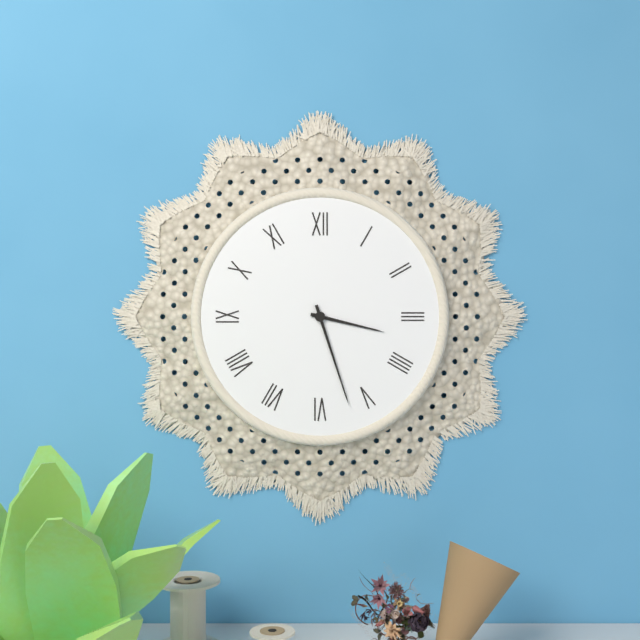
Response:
3h27
